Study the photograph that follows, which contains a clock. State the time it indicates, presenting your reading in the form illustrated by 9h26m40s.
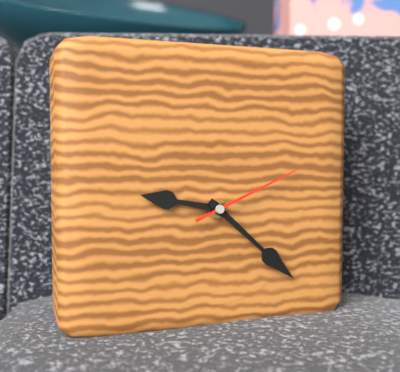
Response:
9h22m11s
